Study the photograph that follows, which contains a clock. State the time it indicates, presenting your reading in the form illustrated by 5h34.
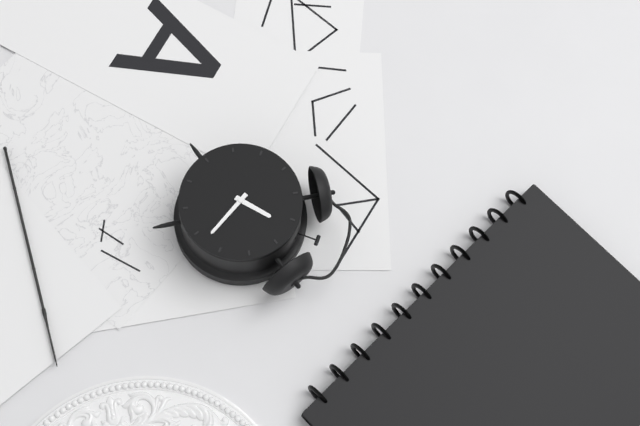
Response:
12h18
